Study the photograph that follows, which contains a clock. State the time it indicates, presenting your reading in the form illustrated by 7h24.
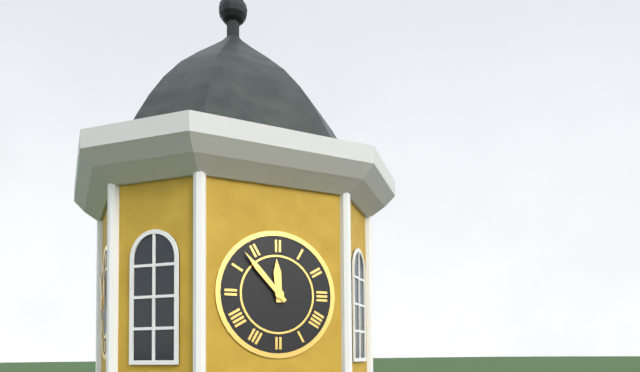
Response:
11h53
